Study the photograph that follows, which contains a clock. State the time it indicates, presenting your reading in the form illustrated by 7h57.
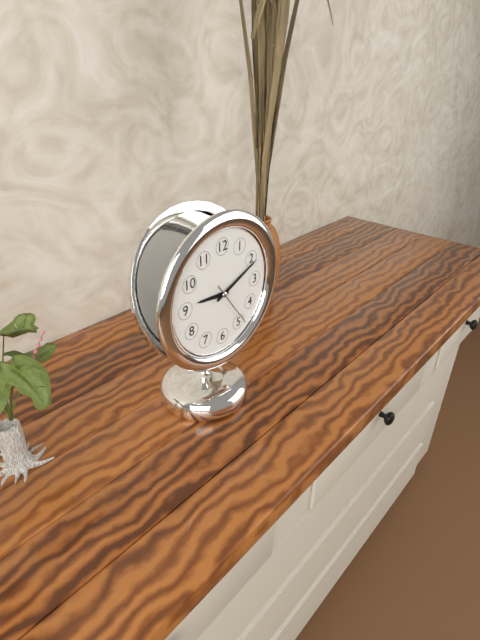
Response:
9h11
